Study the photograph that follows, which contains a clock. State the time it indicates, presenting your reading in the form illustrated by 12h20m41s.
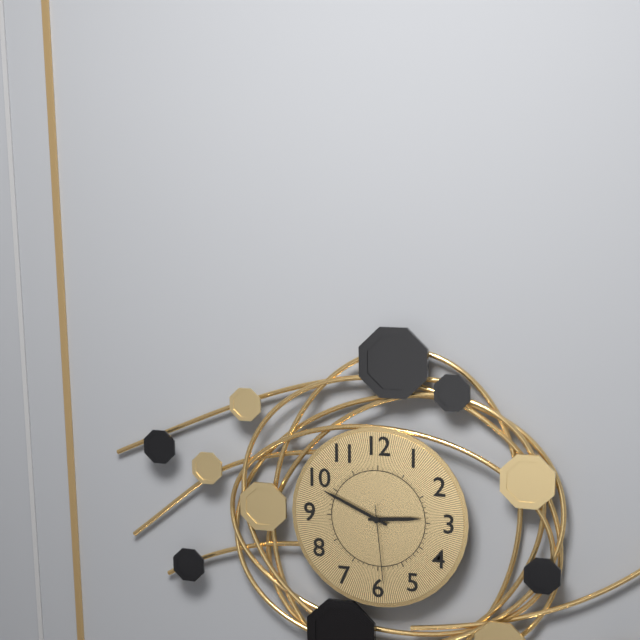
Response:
2h49m29s
